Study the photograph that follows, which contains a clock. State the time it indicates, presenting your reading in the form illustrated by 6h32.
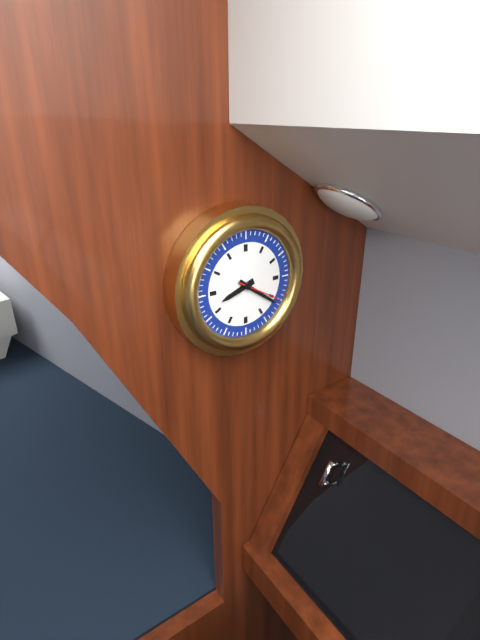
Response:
8h21
